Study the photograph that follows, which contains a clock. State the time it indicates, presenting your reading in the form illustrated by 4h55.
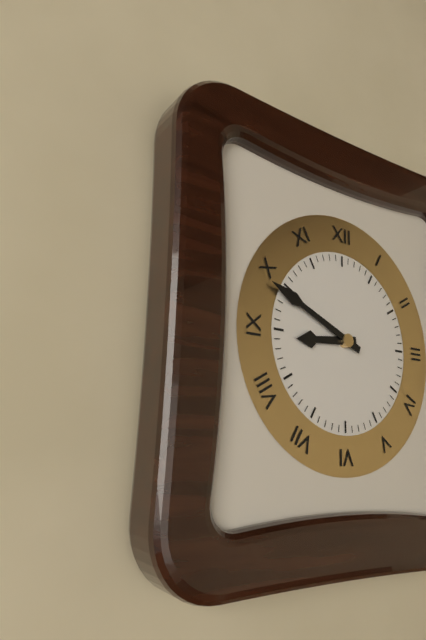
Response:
8h49
